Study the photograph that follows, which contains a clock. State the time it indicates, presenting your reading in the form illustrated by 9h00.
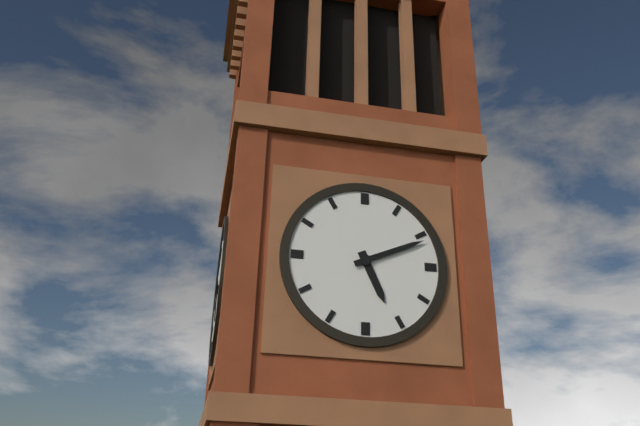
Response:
5h11
